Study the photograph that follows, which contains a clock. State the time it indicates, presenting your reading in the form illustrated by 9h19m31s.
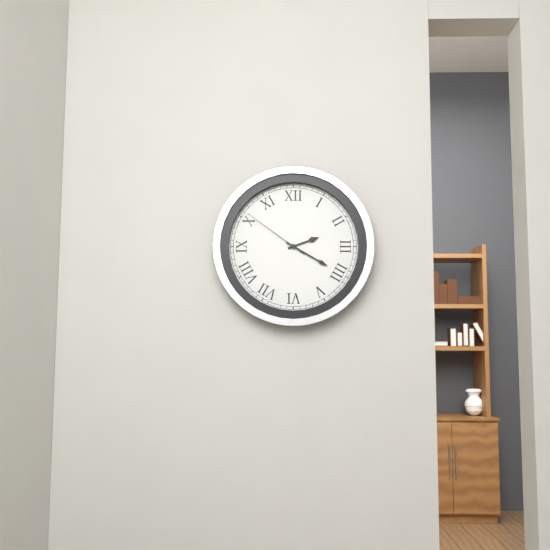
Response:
2h20m51s
